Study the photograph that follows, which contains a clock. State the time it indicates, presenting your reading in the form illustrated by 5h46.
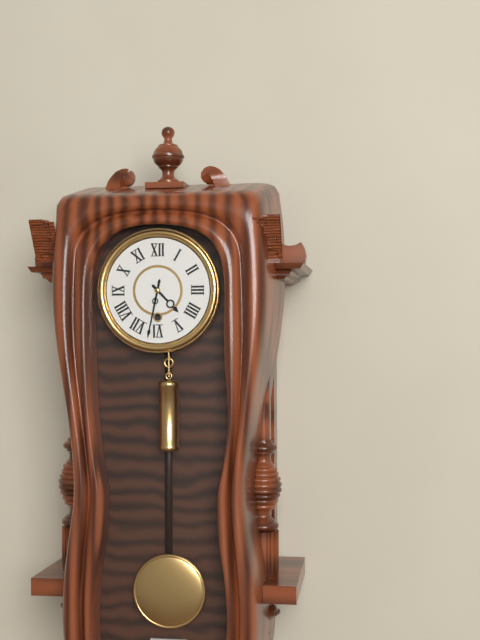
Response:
4h32
